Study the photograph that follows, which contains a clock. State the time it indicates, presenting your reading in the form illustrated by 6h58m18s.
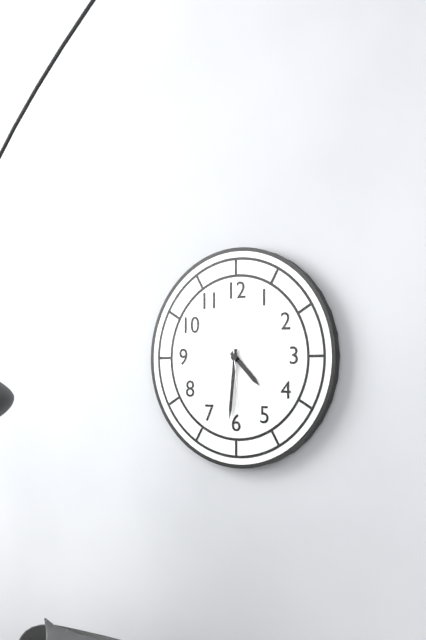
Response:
4h31m29s
